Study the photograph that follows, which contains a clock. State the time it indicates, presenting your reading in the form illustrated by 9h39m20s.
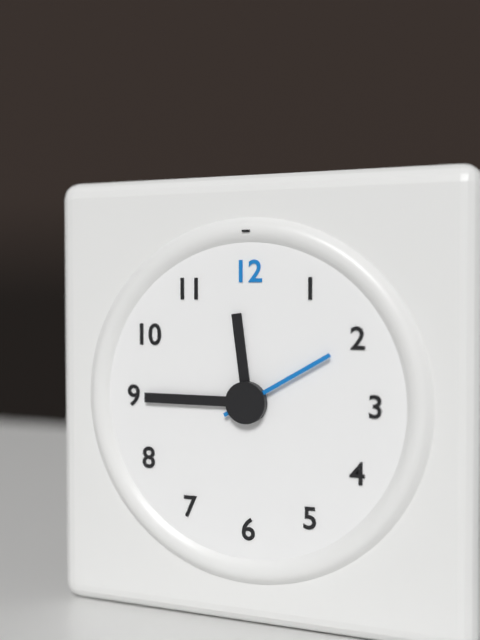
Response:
11h45m10s
